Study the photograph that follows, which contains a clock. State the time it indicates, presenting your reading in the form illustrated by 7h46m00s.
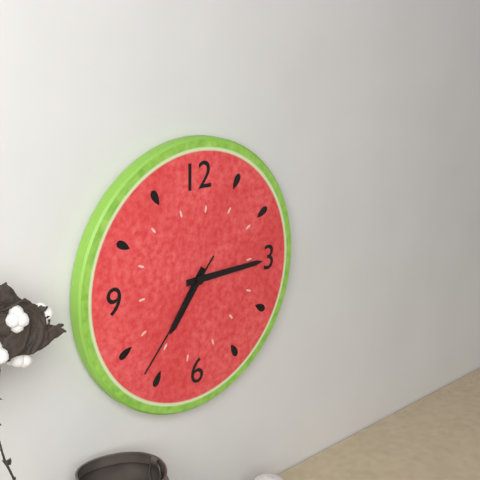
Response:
7h15m37s
